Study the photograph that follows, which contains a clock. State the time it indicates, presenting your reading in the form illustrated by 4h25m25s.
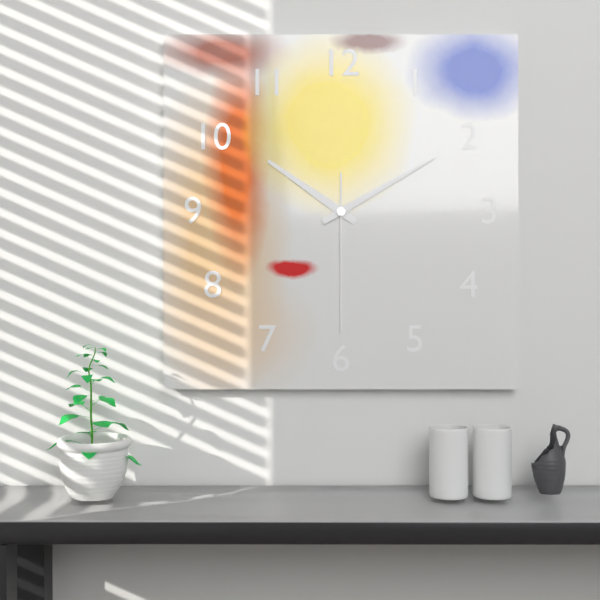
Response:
10h10m30s
